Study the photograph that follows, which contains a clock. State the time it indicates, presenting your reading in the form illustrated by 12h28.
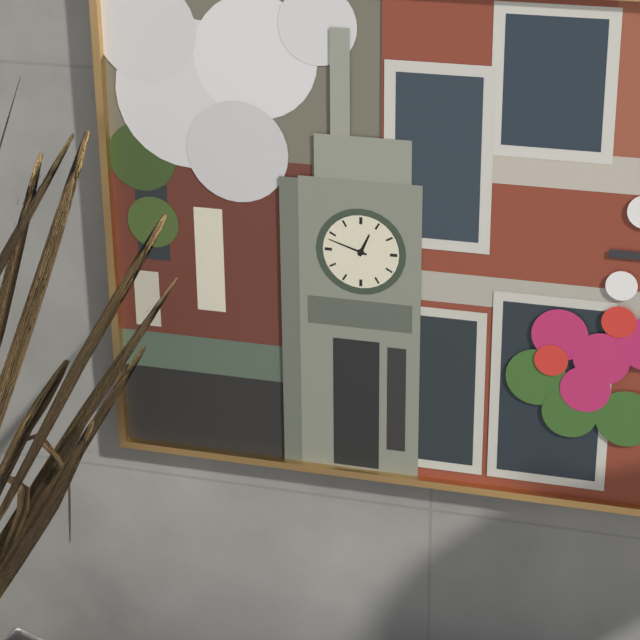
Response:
12h48
